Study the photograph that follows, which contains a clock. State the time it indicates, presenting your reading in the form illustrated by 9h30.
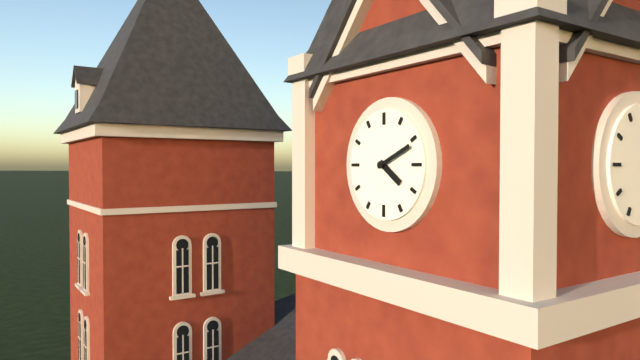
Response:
4h11
